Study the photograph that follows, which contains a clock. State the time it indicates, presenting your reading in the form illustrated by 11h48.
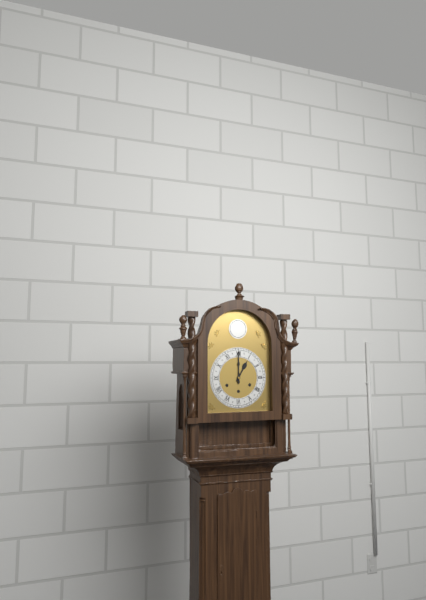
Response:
1h00
